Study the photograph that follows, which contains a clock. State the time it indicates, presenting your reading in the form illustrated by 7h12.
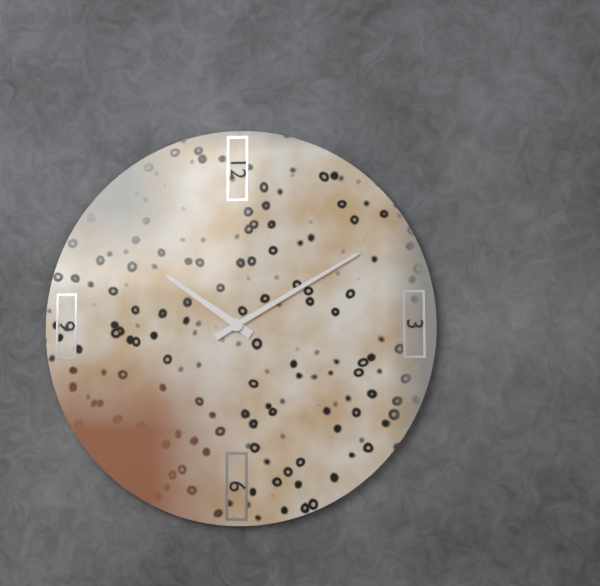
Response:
10h10
